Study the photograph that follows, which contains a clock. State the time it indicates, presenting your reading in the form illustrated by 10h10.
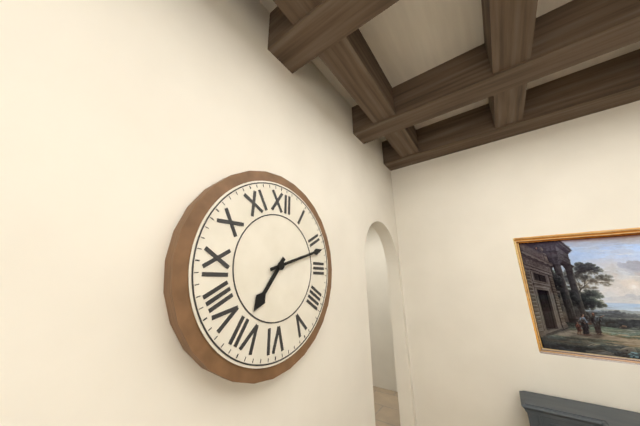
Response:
7h12
